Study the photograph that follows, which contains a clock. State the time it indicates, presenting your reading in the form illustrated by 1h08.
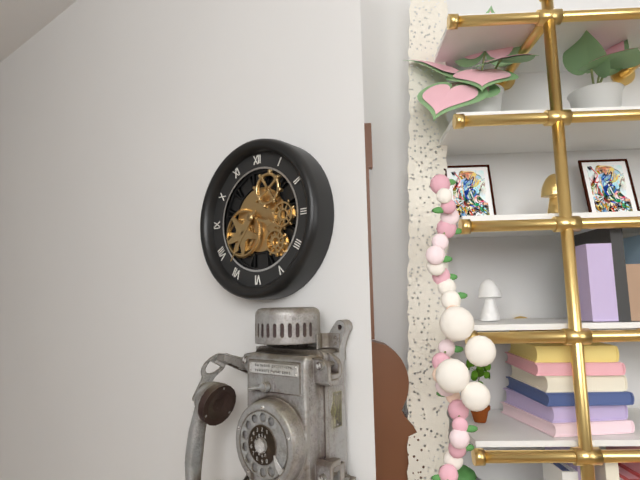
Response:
3h36
